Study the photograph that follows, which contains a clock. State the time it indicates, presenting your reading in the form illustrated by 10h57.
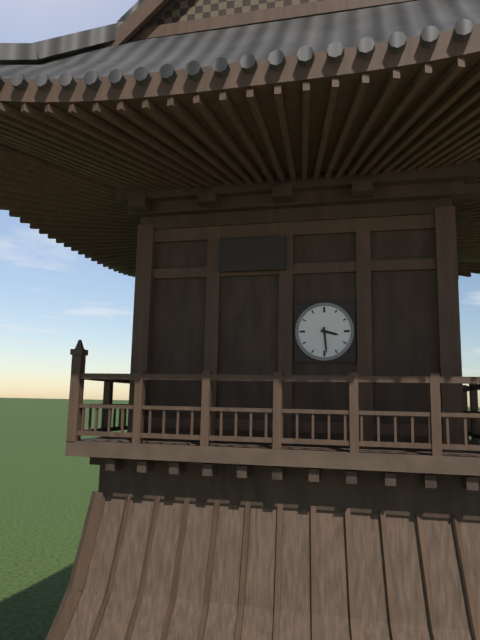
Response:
3h29
